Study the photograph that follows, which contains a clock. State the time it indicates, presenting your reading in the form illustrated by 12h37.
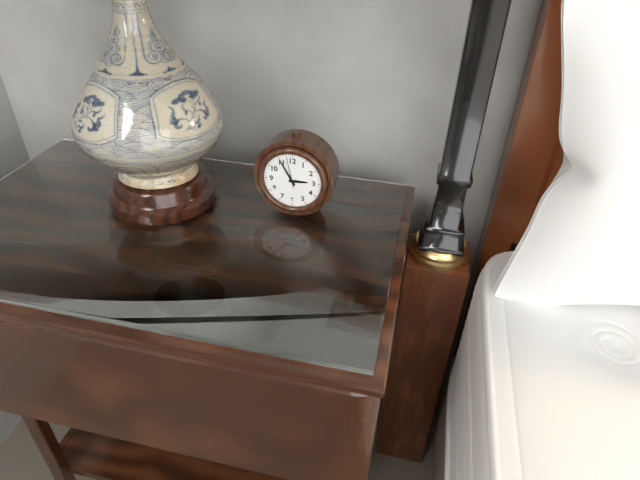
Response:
2h55
